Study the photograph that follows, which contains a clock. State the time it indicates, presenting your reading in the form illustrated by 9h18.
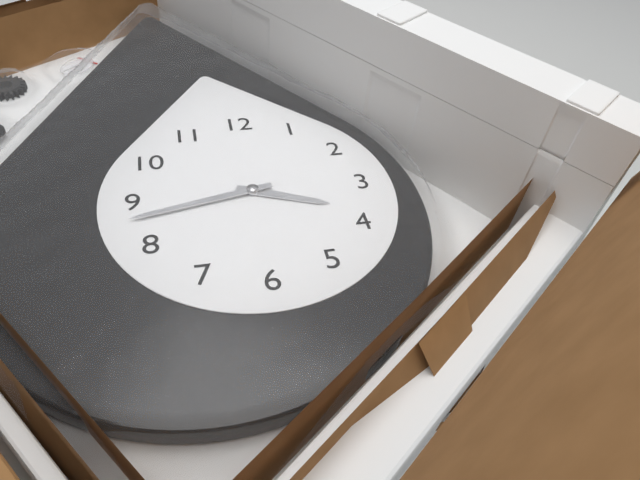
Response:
3h43
